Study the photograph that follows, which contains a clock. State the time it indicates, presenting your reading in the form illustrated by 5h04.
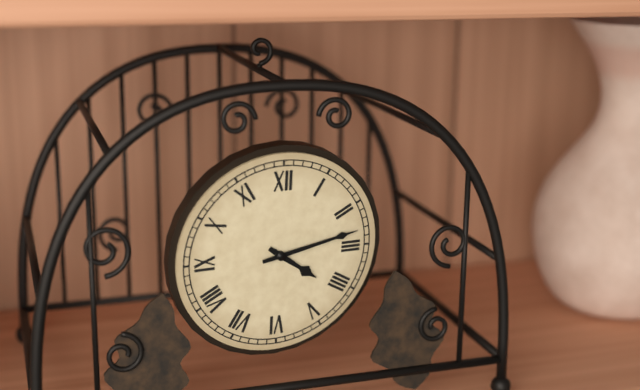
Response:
4h13
